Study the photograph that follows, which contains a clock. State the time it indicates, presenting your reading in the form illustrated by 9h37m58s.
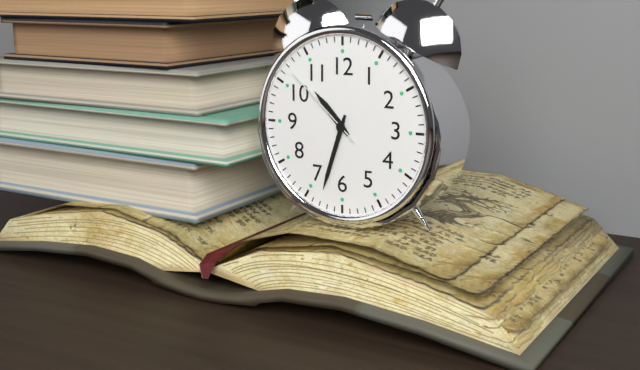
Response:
10h33m52s
